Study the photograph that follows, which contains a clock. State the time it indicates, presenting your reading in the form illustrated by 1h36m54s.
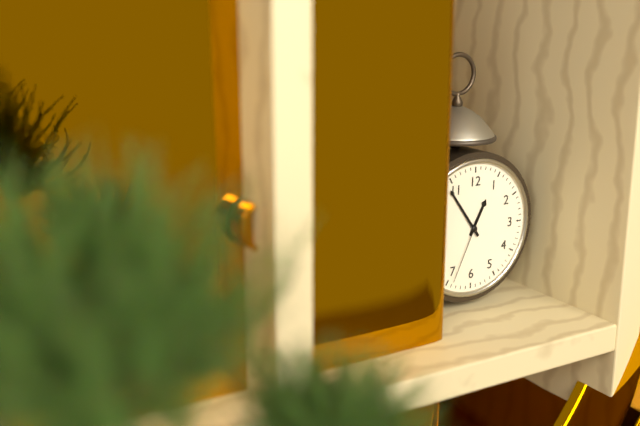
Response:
12h54m34s
